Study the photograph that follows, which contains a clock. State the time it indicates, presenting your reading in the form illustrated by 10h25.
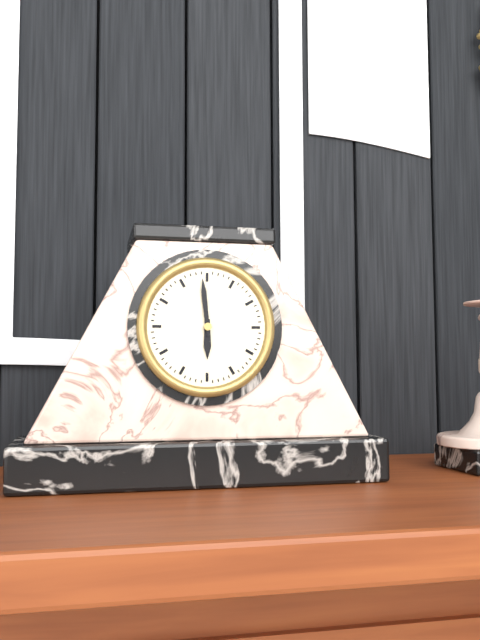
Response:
5h59
